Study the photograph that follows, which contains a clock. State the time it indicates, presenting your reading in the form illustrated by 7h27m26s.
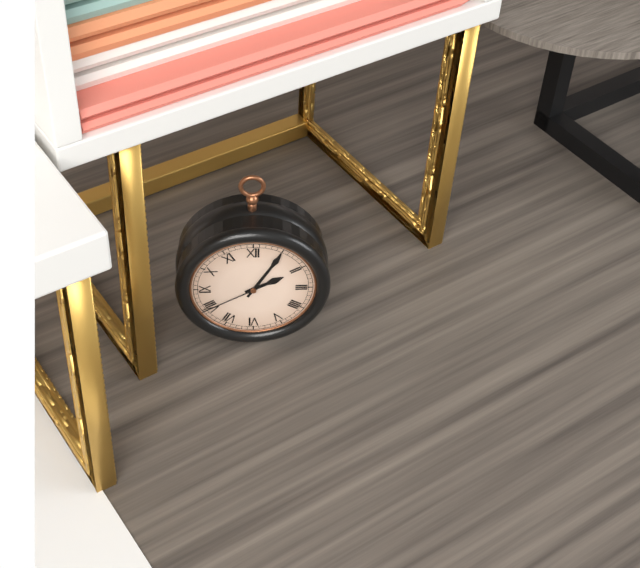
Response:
2h05m40s
